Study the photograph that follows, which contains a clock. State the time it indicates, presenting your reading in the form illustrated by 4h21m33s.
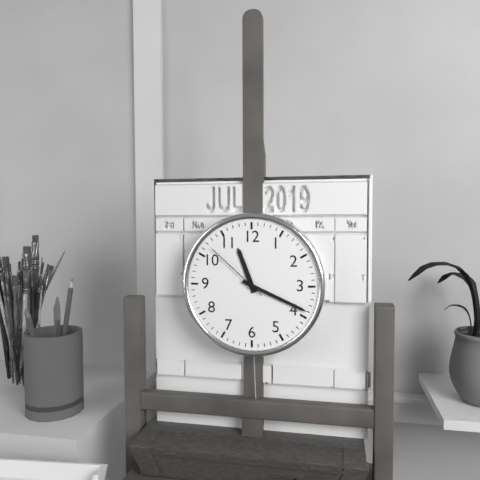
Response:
11h19m52s
